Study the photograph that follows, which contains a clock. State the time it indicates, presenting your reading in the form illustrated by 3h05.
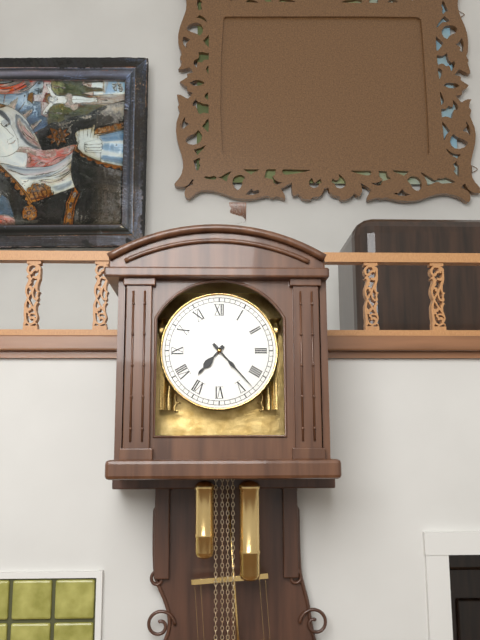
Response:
7h23
